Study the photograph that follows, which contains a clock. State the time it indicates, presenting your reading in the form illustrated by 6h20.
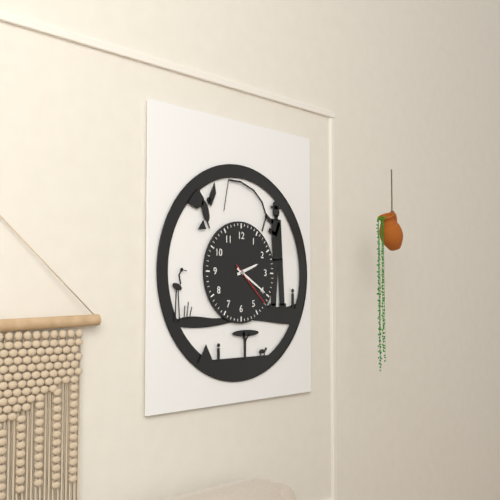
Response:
2h20
